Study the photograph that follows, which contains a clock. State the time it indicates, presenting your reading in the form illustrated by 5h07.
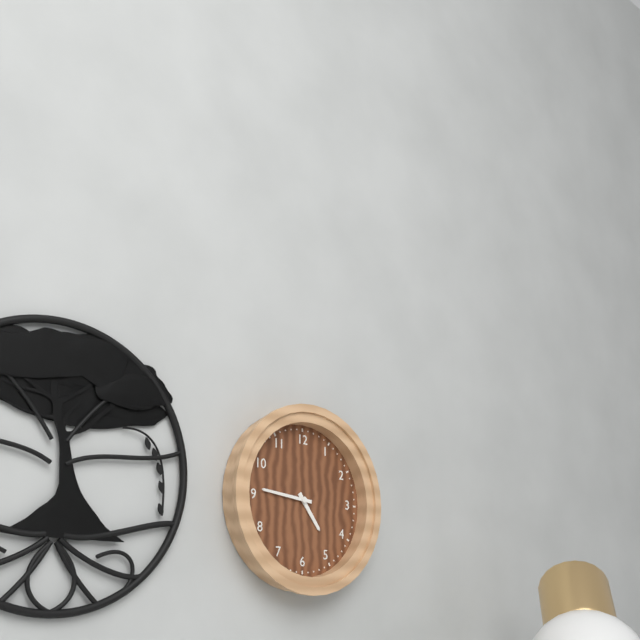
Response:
4h46
